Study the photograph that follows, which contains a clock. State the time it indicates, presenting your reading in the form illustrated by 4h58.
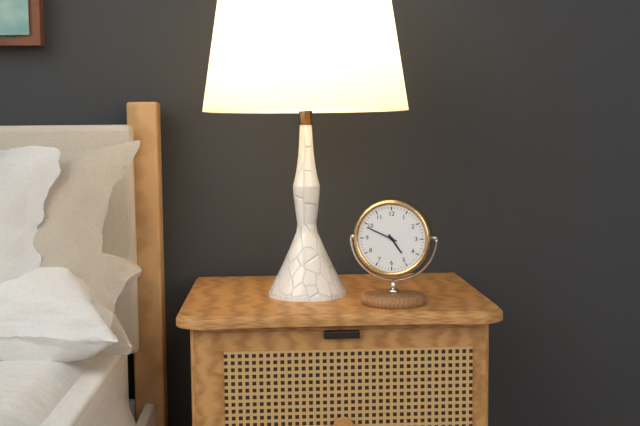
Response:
4h49
